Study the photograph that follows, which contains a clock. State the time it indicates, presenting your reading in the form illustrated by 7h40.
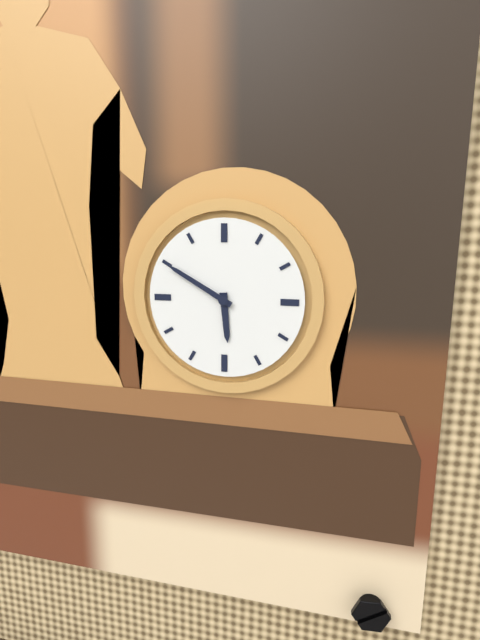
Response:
5h50
